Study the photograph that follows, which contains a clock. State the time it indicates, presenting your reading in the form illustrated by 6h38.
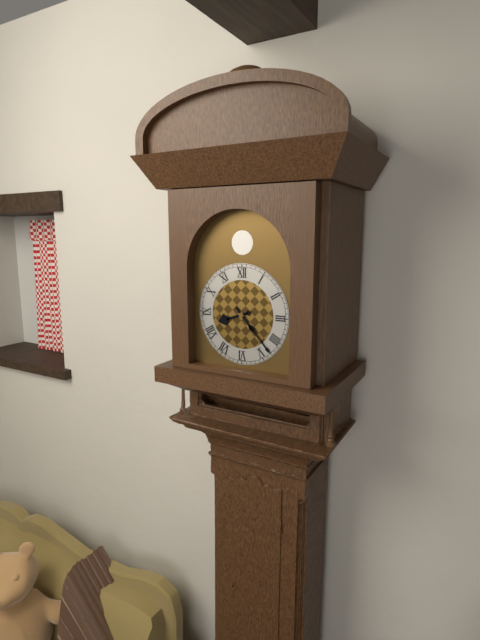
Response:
8h23
